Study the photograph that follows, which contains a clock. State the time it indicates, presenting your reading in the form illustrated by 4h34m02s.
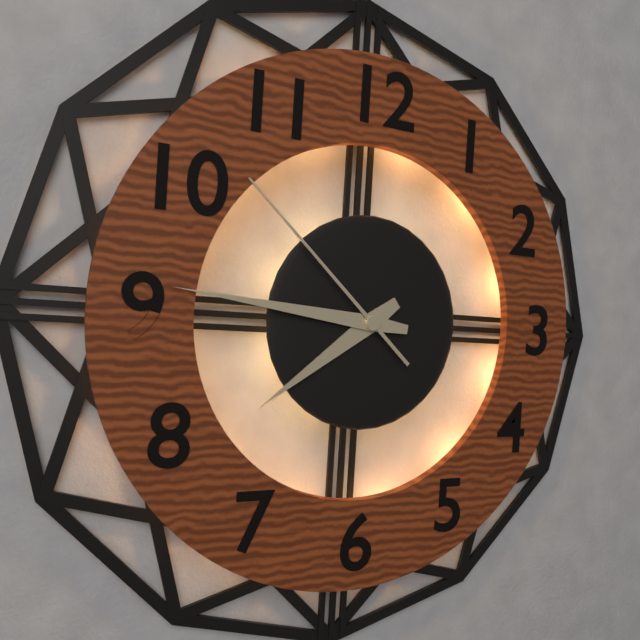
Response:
7h46m52s
